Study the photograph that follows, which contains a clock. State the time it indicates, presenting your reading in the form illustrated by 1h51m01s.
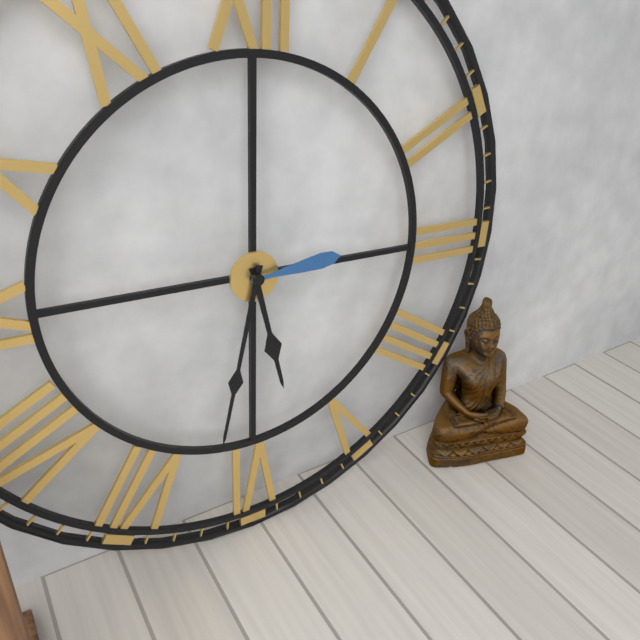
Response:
5h32m14s
